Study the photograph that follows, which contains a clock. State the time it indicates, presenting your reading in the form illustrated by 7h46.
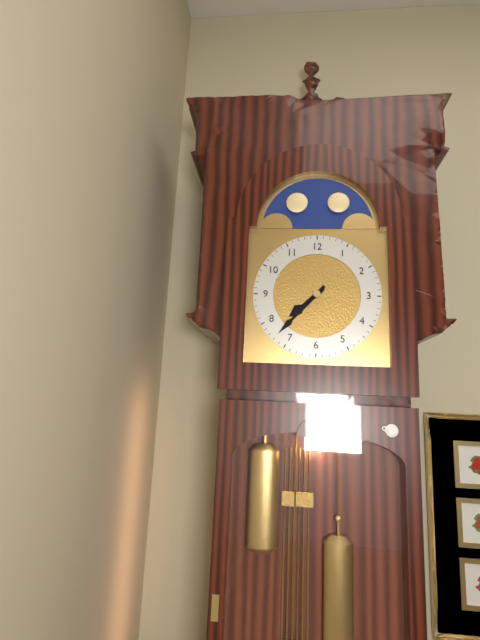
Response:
7h37
